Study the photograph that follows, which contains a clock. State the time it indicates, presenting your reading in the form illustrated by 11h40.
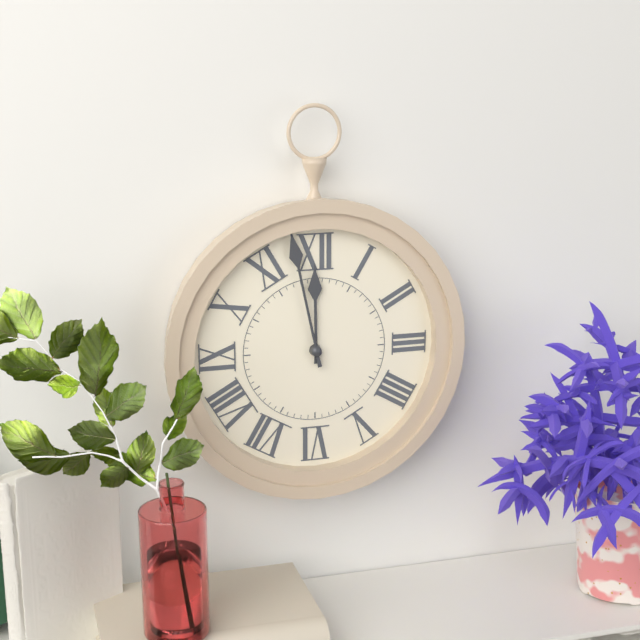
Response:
11h58
